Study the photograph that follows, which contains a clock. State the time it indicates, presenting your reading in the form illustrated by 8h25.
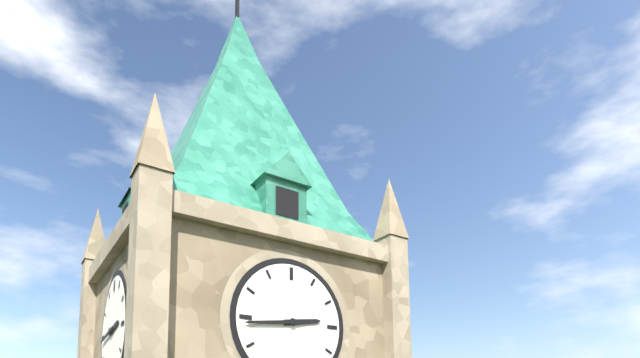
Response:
2h44
